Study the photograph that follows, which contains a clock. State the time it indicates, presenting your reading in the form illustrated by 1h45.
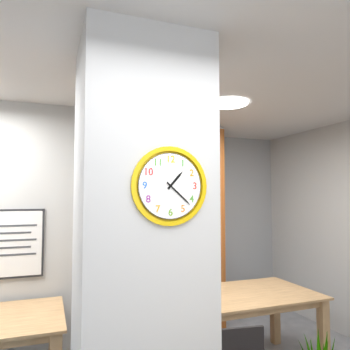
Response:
1h22
